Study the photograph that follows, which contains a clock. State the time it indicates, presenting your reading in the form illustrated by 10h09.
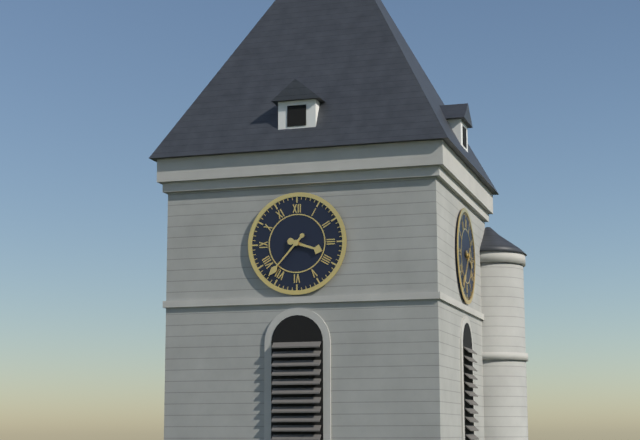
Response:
3h37
